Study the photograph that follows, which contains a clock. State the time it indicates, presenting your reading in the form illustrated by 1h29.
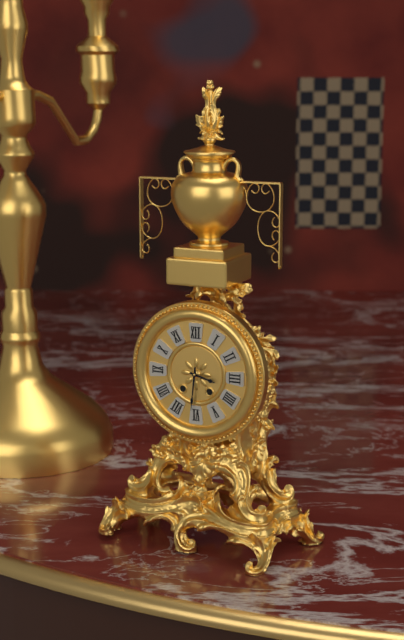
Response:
3h31
